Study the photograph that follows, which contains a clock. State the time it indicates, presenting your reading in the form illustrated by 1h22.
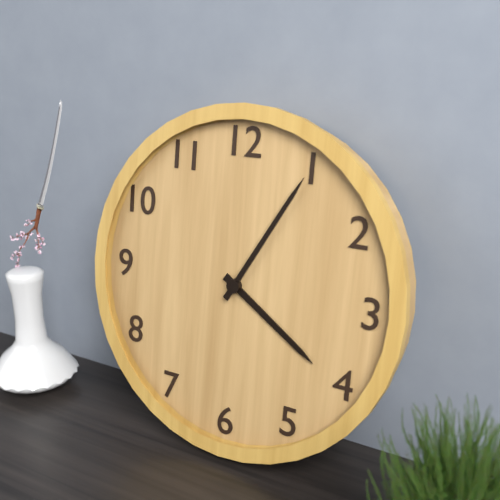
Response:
4h05
